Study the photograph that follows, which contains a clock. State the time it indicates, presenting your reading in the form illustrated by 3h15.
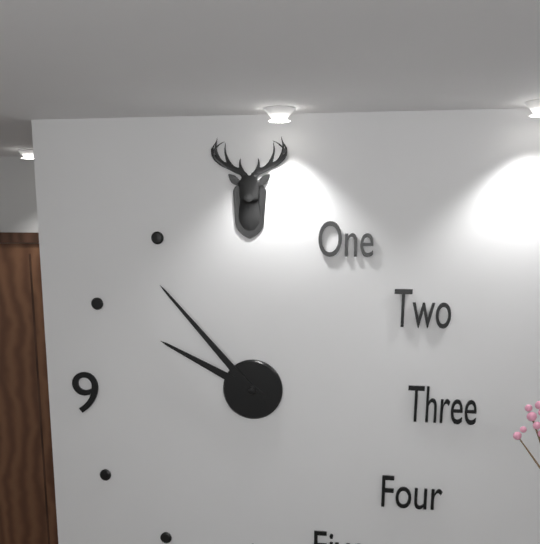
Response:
9h53
